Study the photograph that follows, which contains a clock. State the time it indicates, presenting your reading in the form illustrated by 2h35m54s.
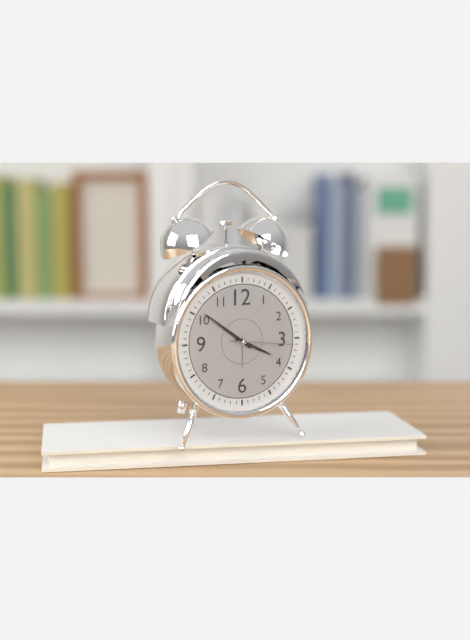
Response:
3h51m16s
